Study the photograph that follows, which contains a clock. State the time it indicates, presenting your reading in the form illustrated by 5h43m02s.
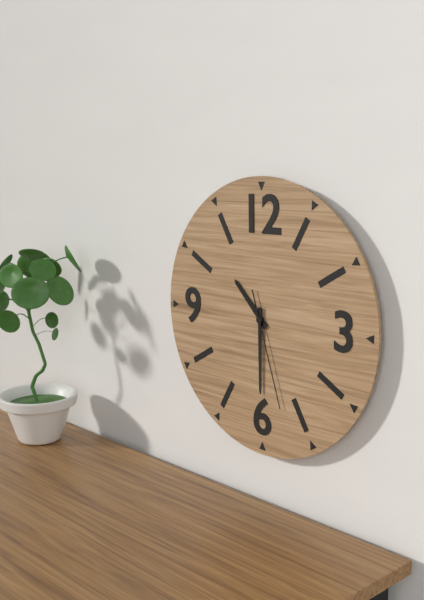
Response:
10h30m27s
